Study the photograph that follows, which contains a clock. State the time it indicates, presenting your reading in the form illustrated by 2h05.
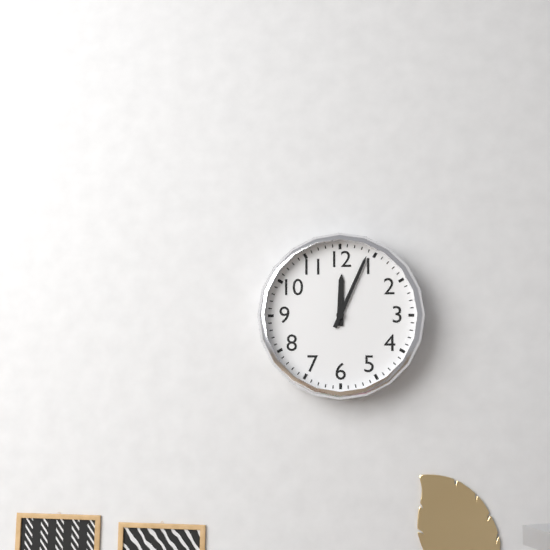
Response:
12h04
